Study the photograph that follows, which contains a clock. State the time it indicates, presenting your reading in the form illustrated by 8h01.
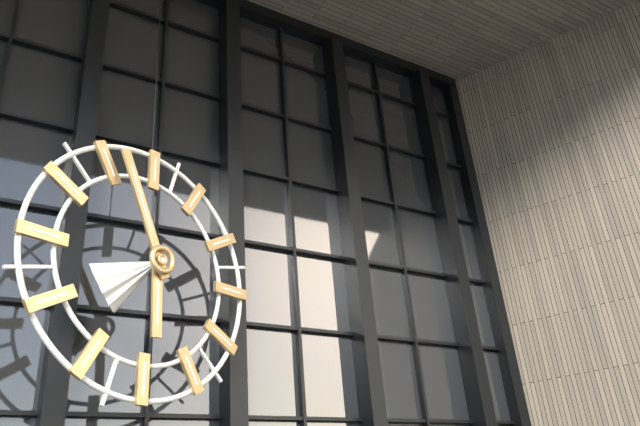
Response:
5h56
